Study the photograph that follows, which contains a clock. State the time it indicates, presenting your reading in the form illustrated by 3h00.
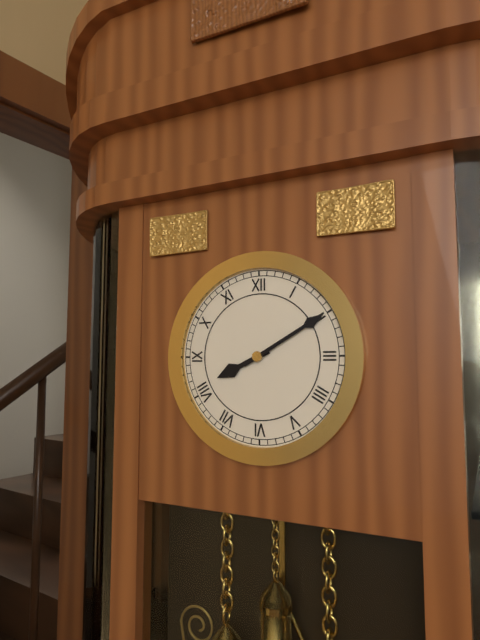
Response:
8h10
